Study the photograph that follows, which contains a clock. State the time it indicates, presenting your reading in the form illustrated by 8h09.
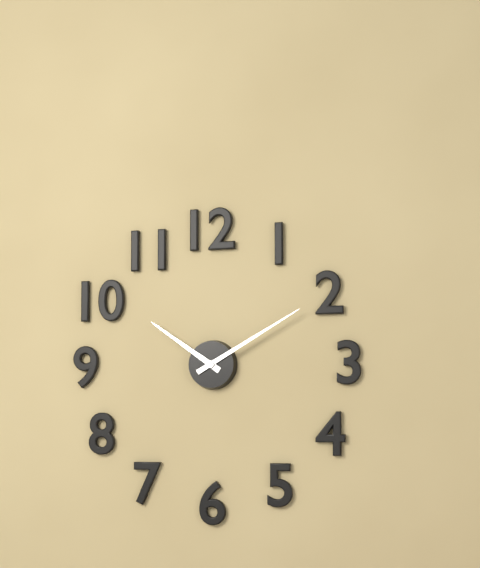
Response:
10h10
